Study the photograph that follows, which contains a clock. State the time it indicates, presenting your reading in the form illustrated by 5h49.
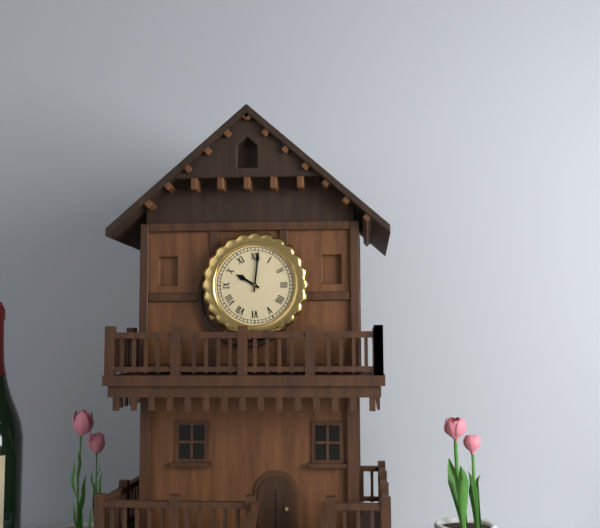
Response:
10h01
